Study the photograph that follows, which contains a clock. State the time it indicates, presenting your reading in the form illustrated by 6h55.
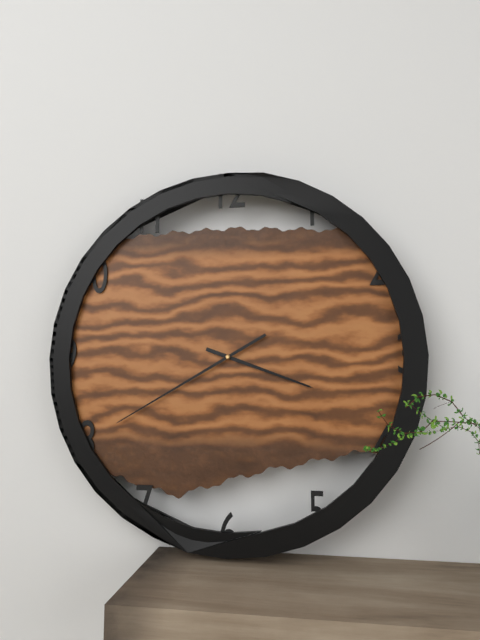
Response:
3h40
